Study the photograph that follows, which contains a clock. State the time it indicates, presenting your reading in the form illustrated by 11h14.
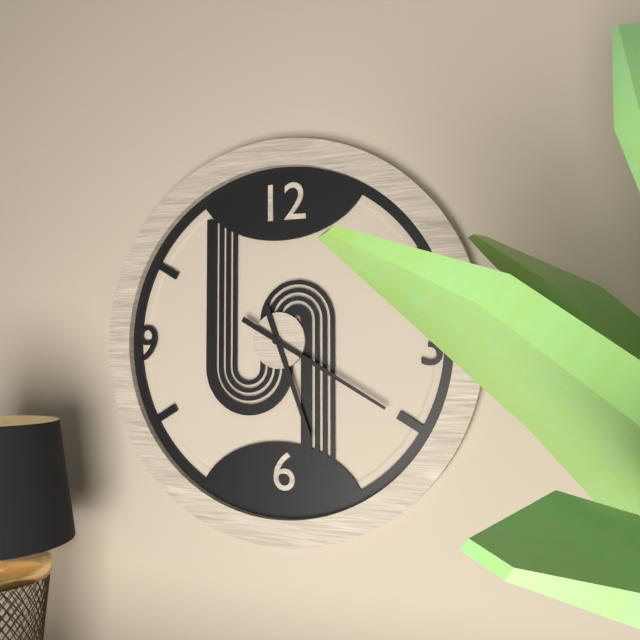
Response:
5h20
